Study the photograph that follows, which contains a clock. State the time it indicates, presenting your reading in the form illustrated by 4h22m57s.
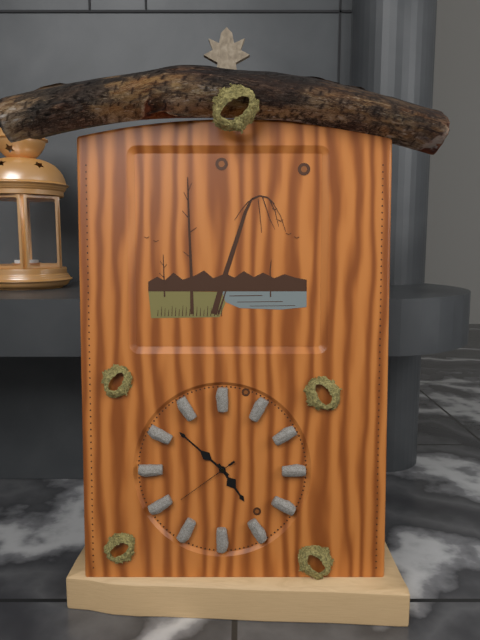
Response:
4h52m39s
